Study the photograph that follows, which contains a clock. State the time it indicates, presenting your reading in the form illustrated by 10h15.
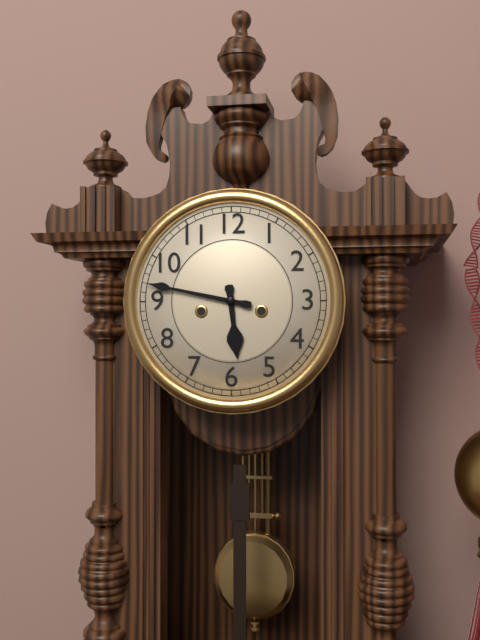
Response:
5h47
